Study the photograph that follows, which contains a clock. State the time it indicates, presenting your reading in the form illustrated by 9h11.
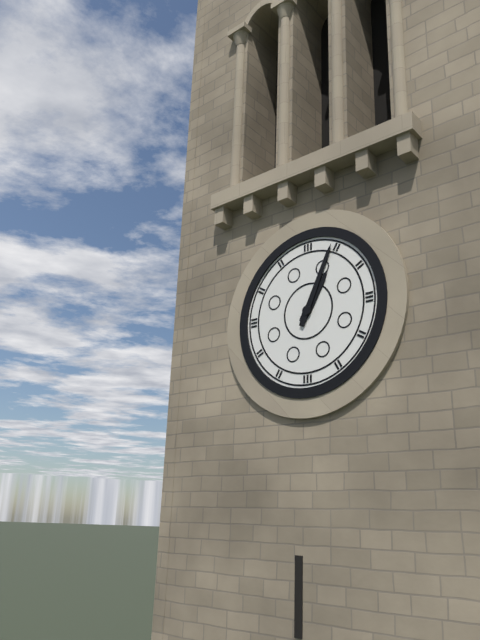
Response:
1h04
